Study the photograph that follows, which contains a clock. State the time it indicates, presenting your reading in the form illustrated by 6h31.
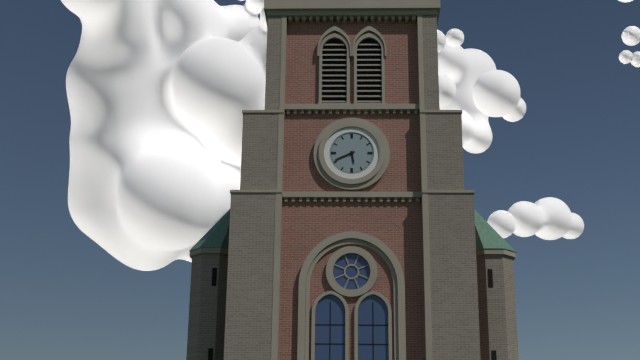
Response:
5h41
